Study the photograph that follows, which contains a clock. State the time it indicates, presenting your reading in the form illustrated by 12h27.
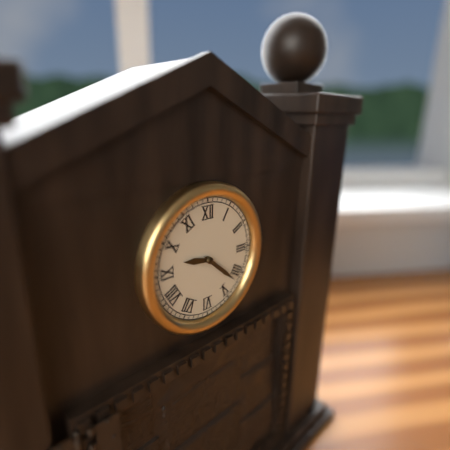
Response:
9h22
